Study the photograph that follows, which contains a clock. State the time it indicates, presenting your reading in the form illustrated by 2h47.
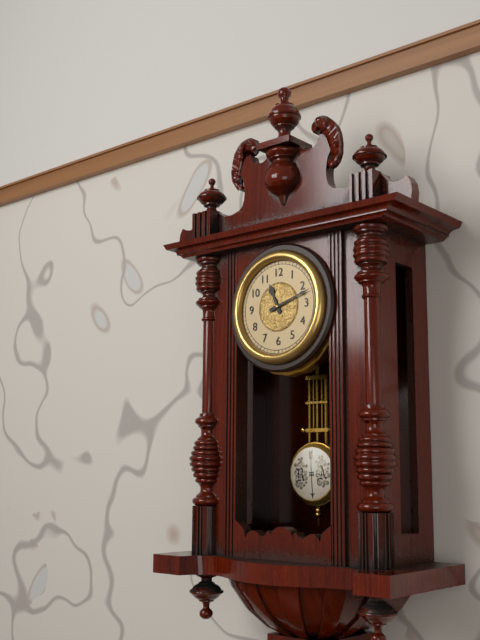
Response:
11h12
